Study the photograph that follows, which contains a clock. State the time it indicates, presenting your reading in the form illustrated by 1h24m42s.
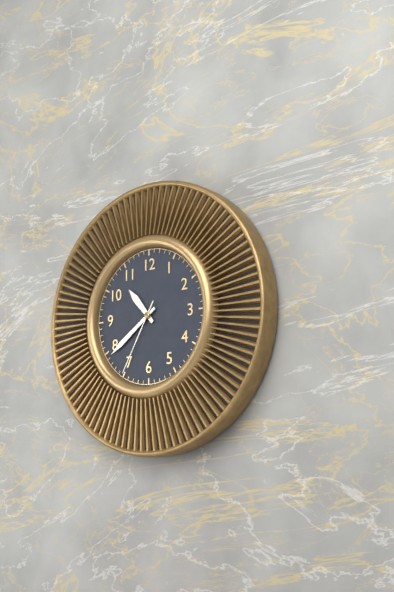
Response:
10h39m35s
